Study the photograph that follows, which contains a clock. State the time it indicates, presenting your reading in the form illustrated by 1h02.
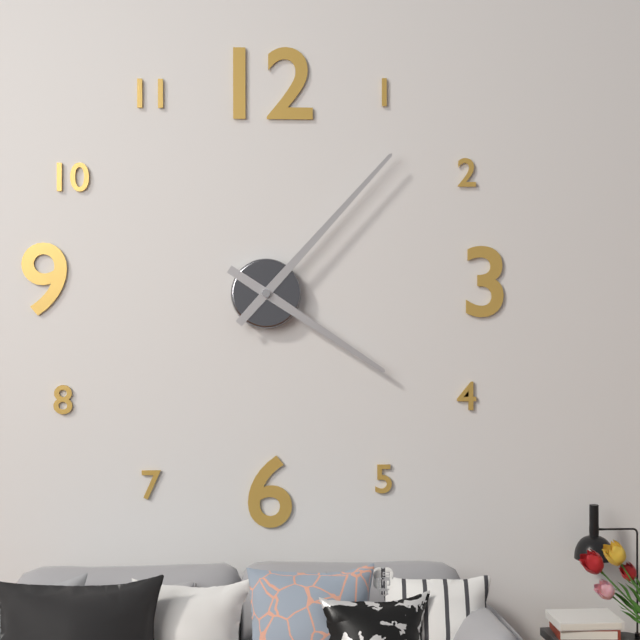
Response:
4h07
